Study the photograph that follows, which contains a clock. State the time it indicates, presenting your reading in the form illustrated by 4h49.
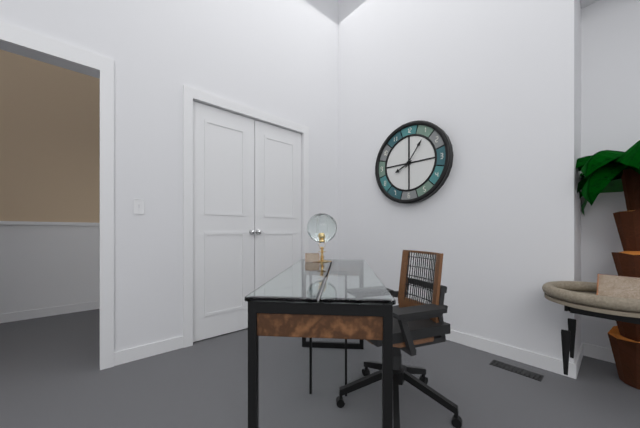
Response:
8h06
